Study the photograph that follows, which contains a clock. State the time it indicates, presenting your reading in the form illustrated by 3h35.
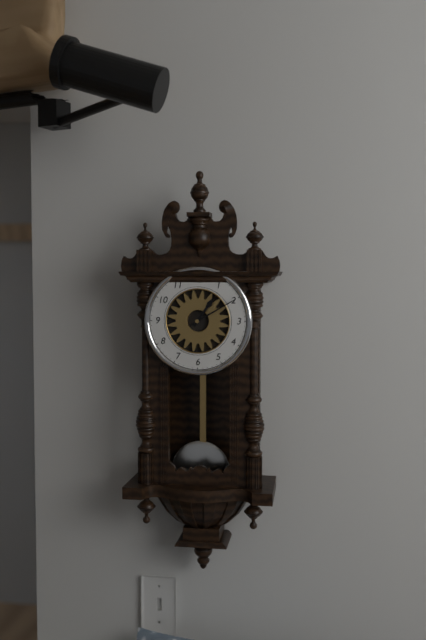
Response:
1h10
